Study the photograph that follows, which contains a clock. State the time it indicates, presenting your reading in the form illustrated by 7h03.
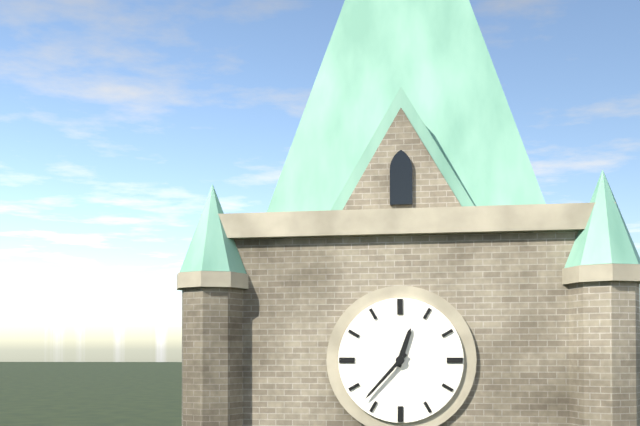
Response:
12h37
